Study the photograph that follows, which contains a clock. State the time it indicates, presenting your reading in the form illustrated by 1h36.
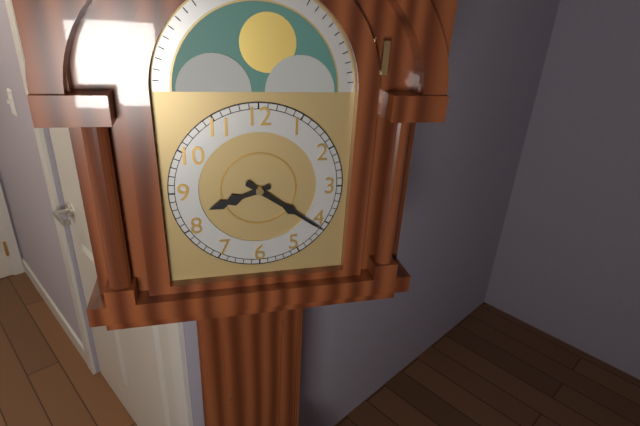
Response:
8h21
